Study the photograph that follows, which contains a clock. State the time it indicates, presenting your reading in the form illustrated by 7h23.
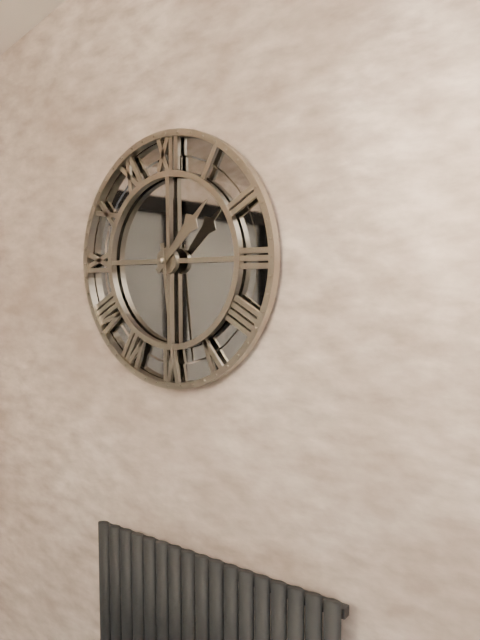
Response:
1h29
